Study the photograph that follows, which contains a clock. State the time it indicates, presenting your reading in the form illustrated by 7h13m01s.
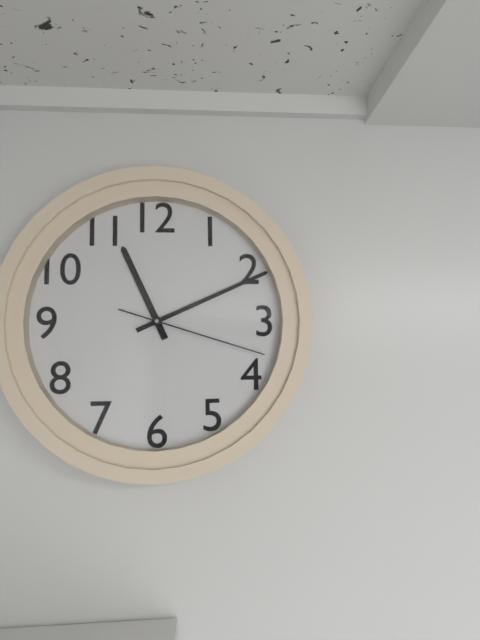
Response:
11h11m18s
